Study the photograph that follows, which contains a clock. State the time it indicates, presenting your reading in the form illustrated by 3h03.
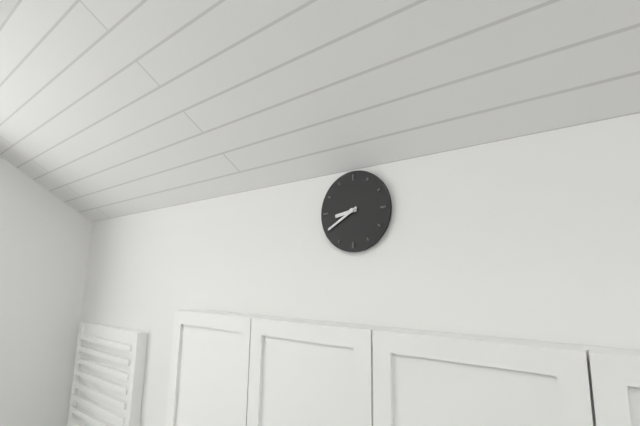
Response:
8h40
